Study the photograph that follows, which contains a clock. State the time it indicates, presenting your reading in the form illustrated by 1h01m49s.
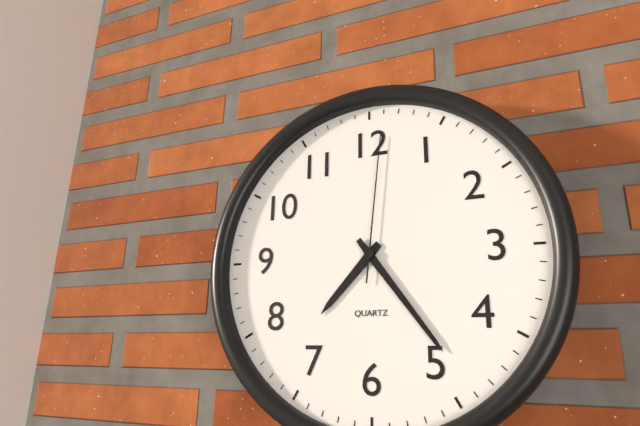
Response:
7h24m01s
